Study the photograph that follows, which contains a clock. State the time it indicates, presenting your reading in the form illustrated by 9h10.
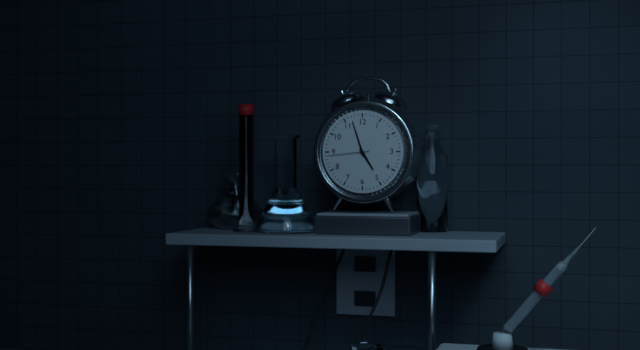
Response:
4h57
